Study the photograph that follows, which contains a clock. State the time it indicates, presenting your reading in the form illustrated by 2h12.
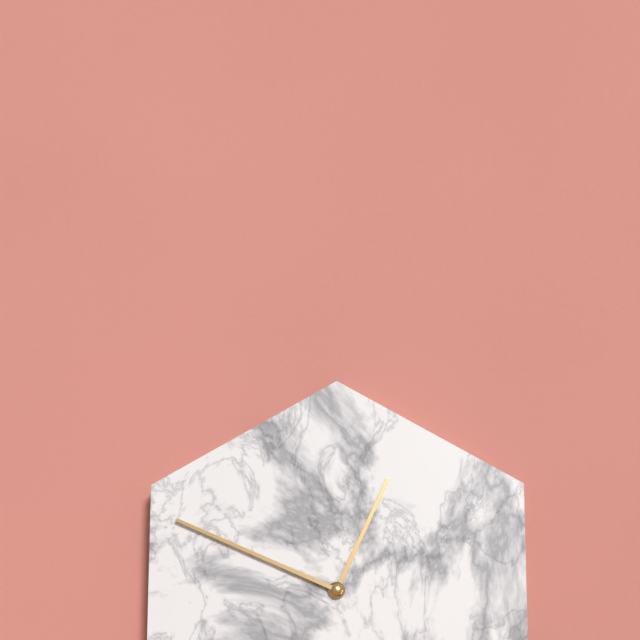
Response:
12h49
